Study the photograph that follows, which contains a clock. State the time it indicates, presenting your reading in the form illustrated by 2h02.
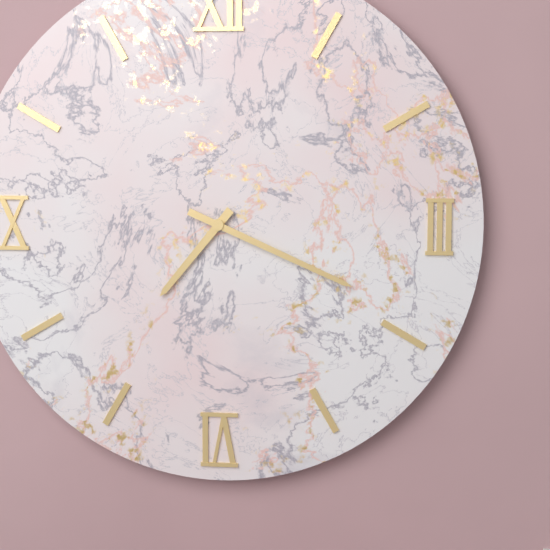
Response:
7h19
